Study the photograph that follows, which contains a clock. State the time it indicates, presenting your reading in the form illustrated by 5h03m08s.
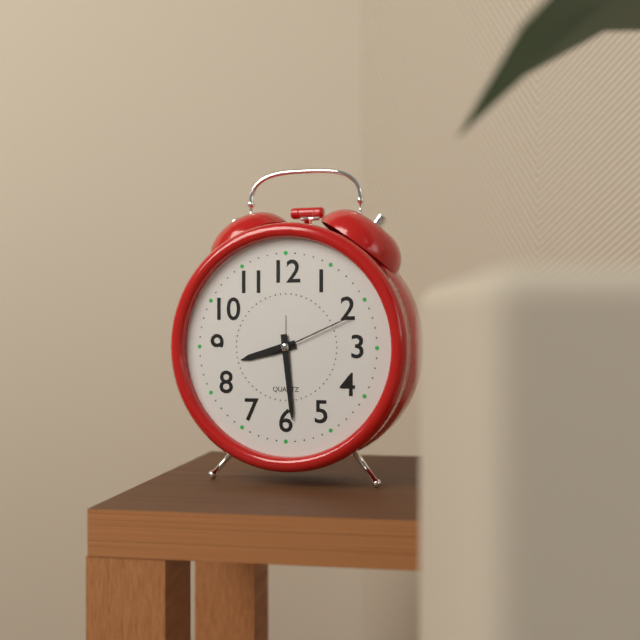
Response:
8h29m11s
